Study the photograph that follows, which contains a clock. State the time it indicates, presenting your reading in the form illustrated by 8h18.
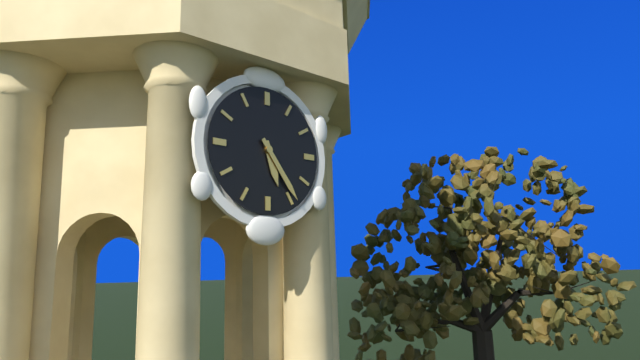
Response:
5h24
